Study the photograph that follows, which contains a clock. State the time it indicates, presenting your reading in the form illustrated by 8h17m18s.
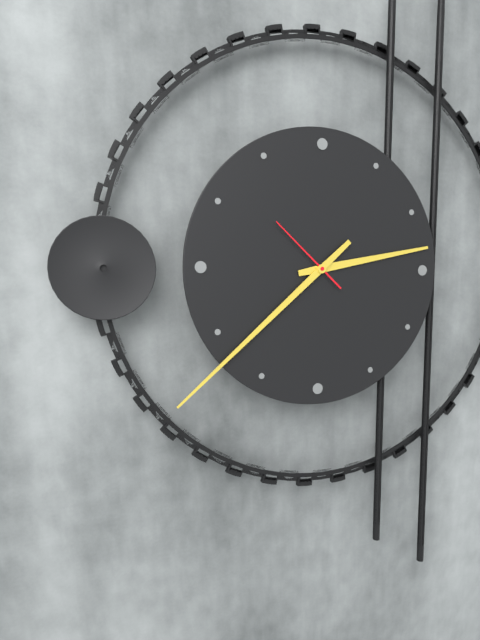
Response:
2h38m52s
